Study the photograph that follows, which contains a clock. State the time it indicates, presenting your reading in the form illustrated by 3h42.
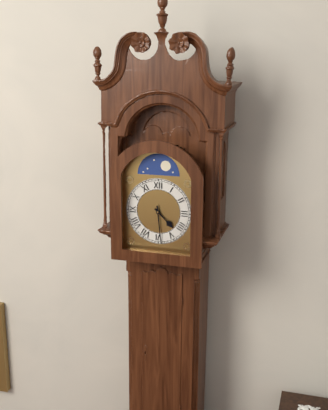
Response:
4h29
